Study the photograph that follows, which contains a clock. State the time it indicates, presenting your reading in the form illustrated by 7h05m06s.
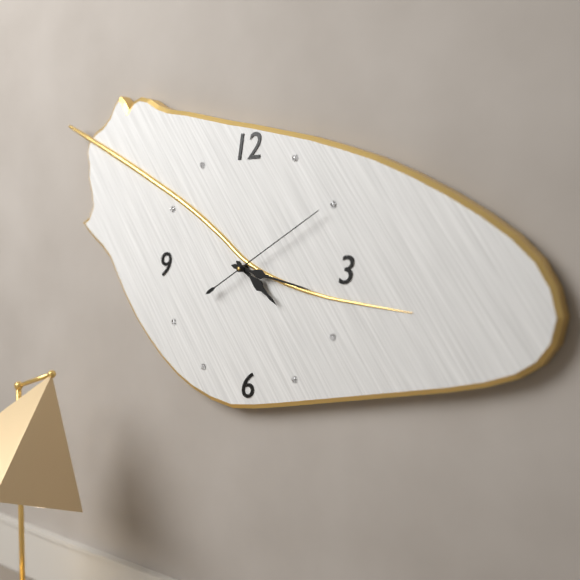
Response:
4h17m10s
